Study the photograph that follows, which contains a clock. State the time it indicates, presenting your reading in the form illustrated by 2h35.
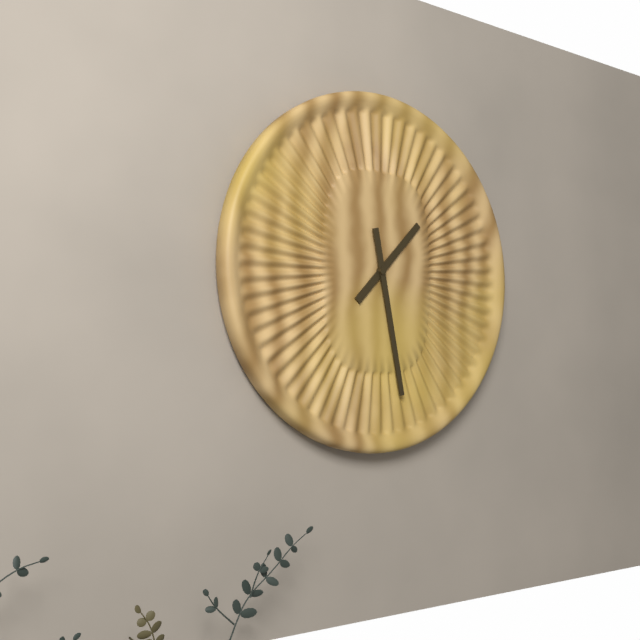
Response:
1h28
